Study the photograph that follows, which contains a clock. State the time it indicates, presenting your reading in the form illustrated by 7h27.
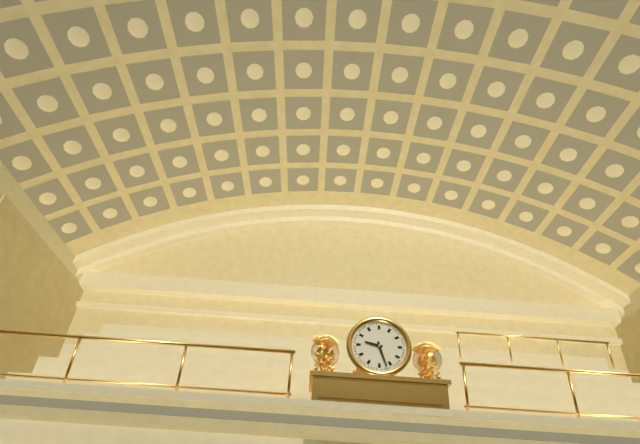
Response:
9h27
